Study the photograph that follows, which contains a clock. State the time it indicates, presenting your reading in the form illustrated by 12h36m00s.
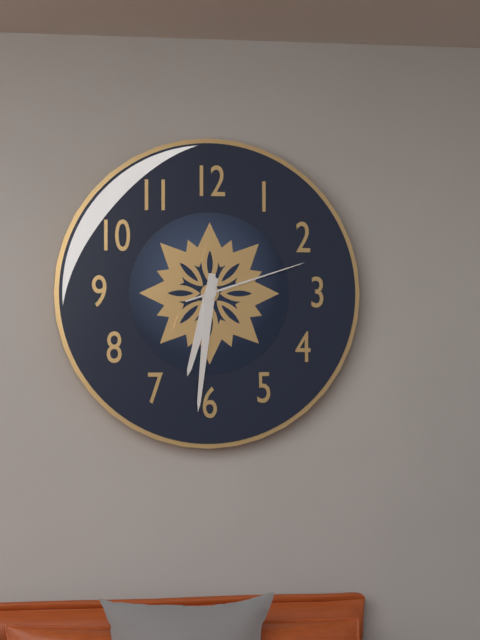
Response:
6h31m12s
